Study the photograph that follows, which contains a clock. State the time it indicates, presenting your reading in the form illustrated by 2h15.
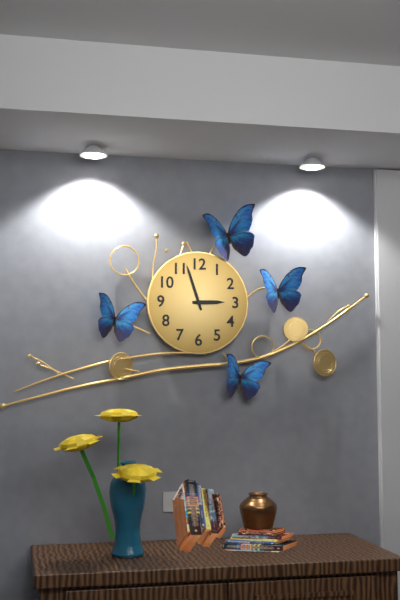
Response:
2h57
